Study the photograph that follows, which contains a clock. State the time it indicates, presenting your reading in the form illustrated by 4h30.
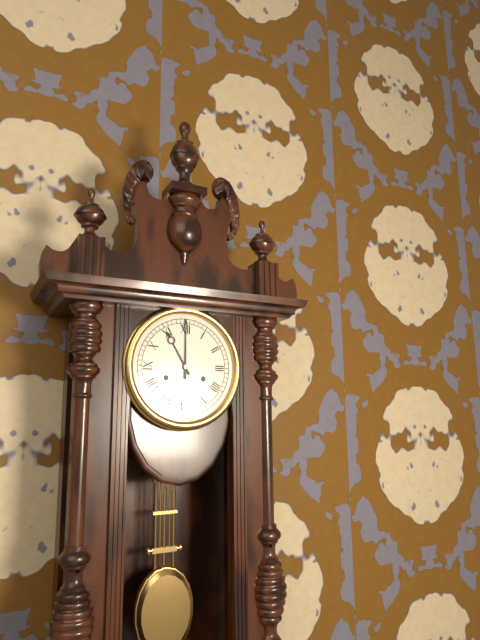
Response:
11h00
